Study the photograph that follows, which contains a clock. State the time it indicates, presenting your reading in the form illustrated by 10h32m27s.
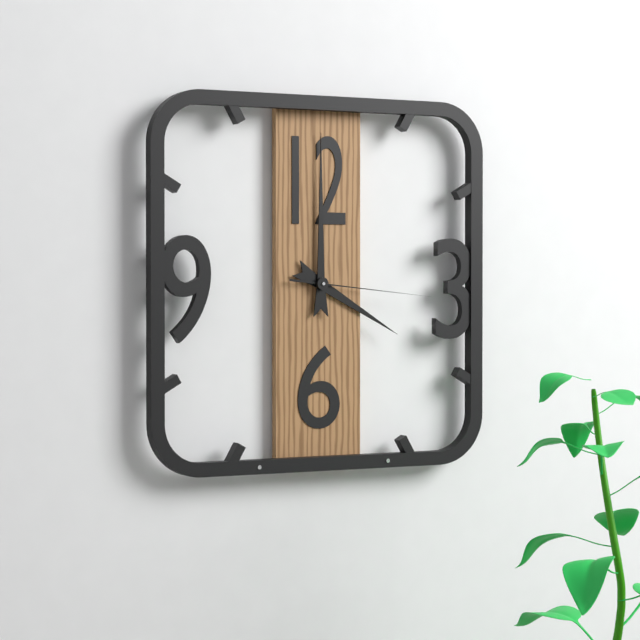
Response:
4h00m16s
